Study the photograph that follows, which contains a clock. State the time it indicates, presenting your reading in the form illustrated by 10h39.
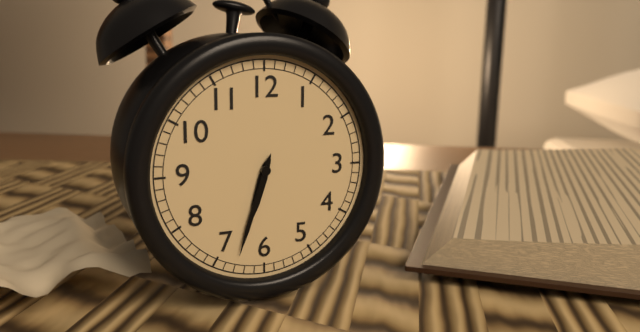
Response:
6h33
